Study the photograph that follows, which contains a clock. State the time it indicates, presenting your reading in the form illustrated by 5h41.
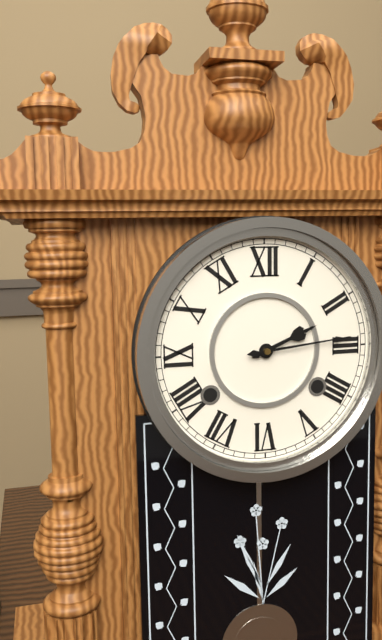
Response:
2h14
